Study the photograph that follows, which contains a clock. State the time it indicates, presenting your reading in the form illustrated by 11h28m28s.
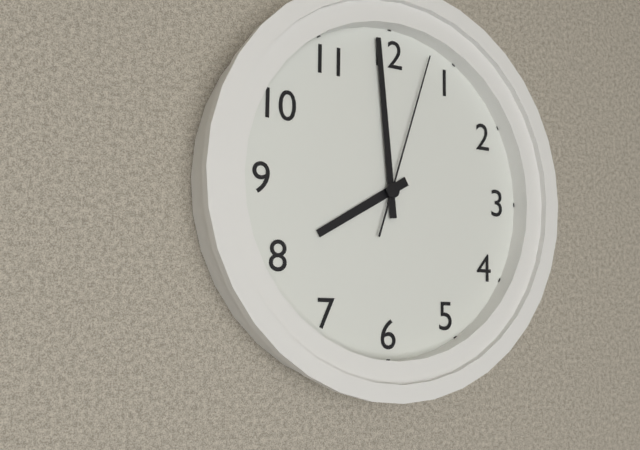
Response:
7h59m03s
